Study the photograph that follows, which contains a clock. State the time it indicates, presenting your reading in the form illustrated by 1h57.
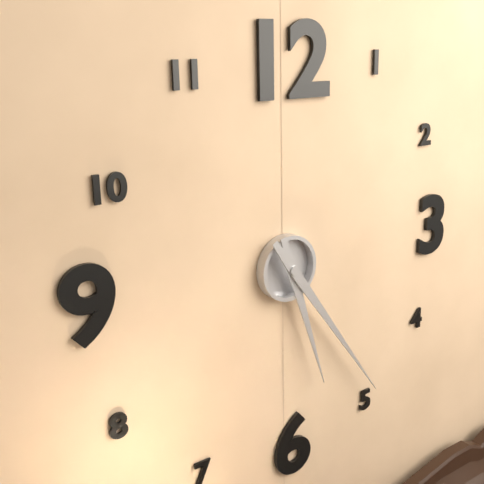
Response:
5h24
